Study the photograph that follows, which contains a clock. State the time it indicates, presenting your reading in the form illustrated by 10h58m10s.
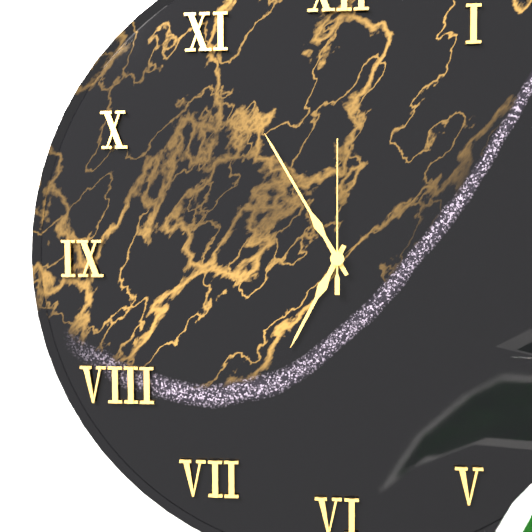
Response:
6h55m00s
